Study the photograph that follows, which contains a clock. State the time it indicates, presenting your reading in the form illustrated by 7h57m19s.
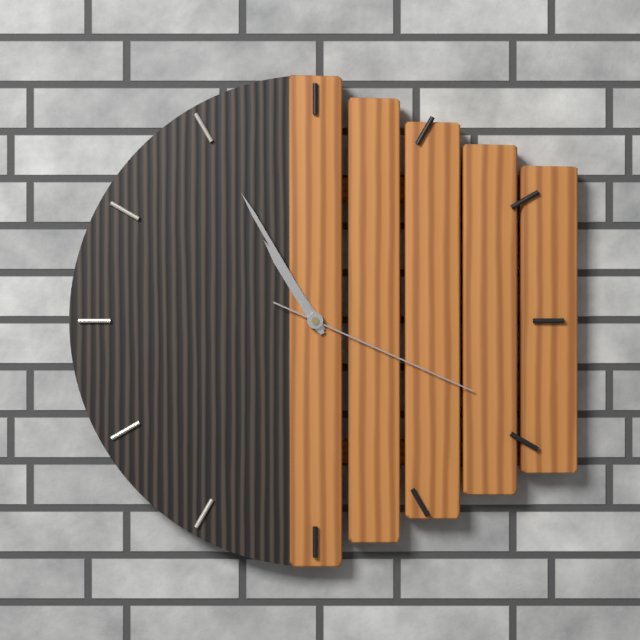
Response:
10h55m19s
